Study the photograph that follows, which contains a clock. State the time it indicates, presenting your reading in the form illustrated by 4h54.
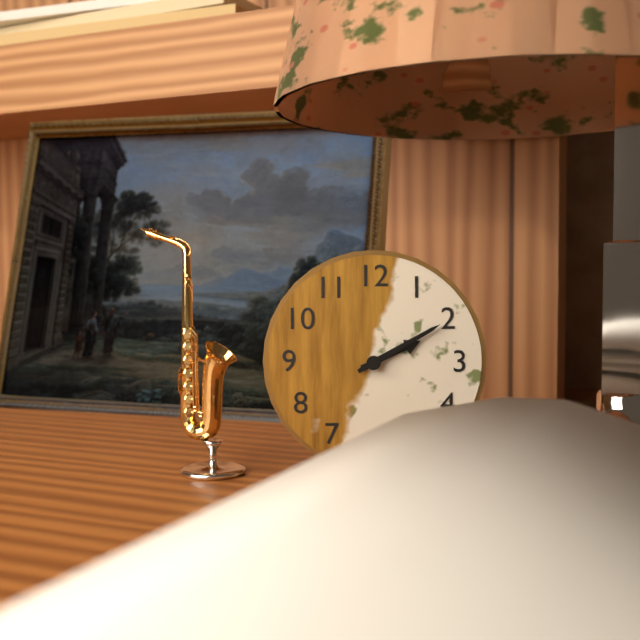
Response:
2h10
